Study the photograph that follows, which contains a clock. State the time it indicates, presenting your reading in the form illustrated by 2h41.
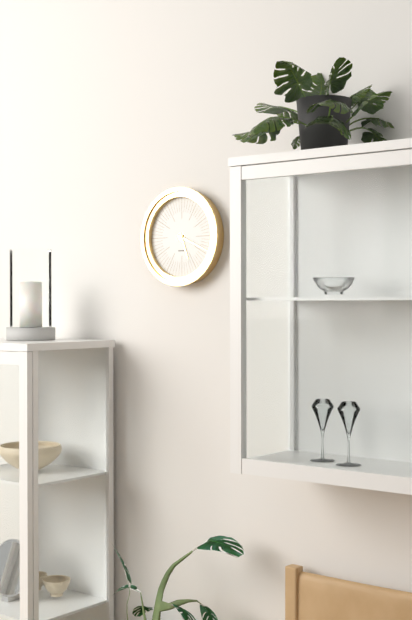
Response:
5h19
